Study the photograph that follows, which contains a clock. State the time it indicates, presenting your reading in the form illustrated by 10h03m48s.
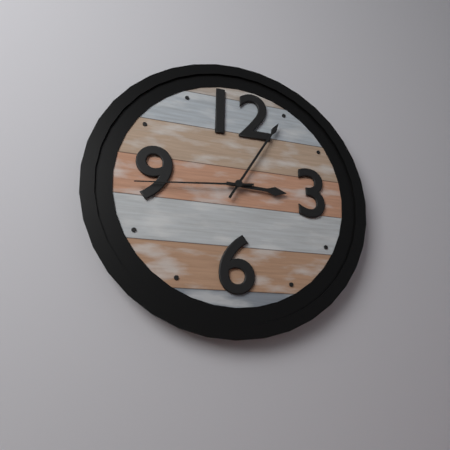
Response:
3h05m44s
